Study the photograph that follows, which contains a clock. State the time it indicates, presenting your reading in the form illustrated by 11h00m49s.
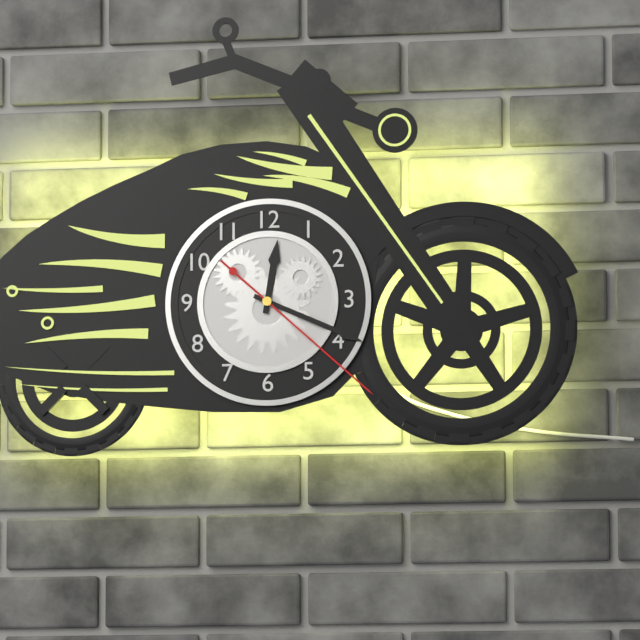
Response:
12h19m22s
